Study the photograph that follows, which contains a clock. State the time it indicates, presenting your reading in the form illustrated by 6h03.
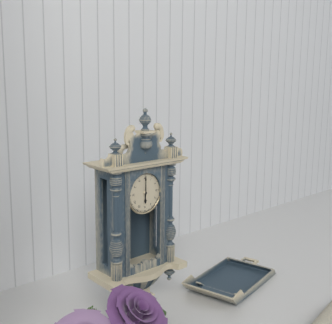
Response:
6h00
